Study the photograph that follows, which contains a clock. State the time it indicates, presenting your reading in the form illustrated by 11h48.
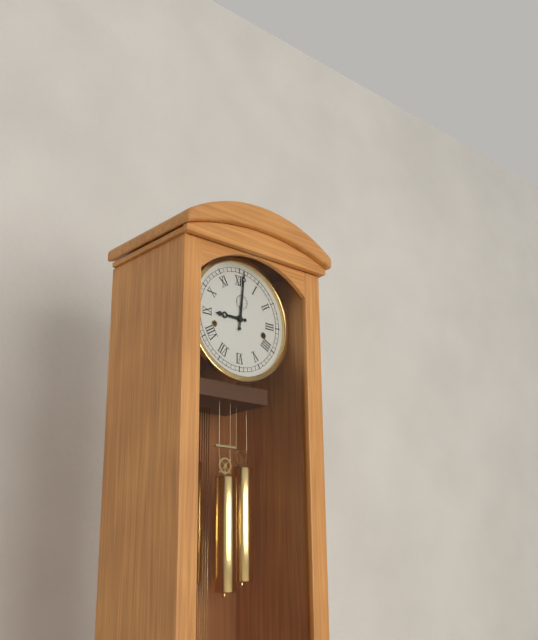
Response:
9h01
